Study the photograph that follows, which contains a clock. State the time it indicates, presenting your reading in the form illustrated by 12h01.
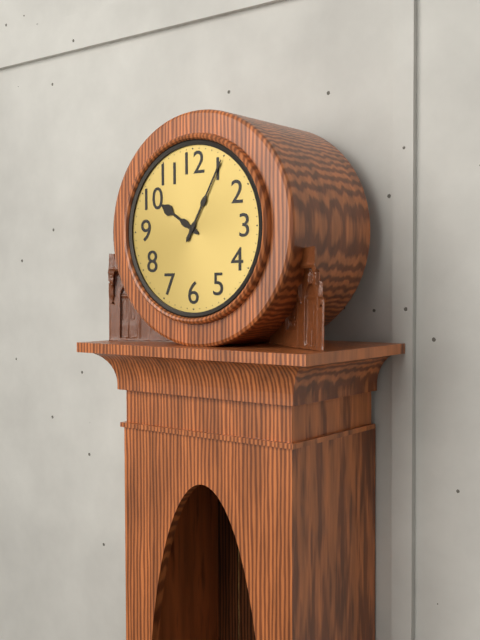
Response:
10h05
